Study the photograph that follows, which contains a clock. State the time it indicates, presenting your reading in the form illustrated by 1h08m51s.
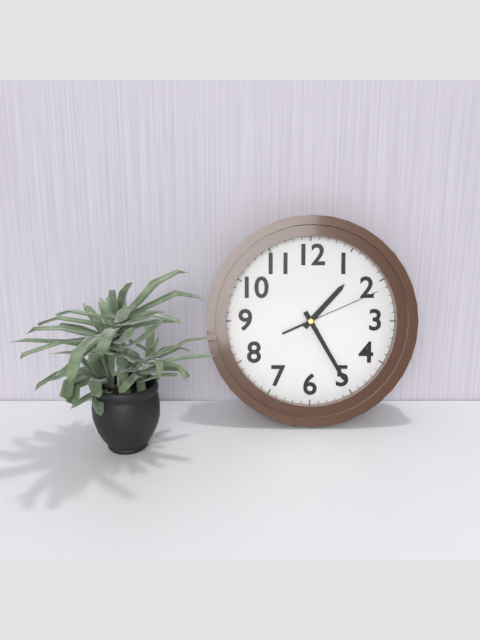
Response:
1h25m11s
